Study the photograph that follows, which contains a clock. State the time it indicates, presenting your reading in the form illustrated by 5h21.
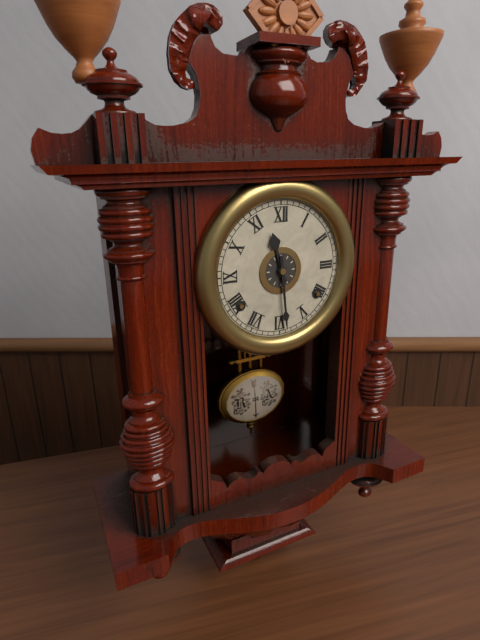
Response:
11h29
